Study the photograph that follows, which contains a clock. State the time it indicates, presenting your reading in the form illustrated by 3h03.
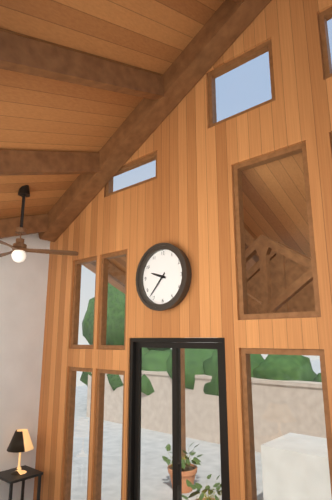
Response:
9h37
